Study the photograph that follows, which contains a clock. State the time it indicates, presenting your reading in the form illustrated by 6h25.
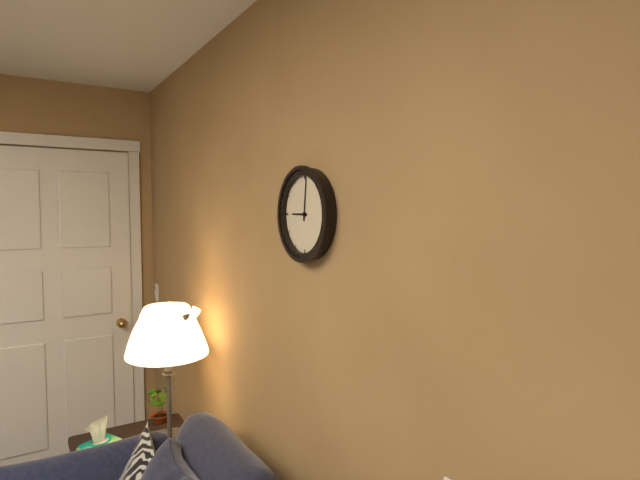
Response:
9h01
